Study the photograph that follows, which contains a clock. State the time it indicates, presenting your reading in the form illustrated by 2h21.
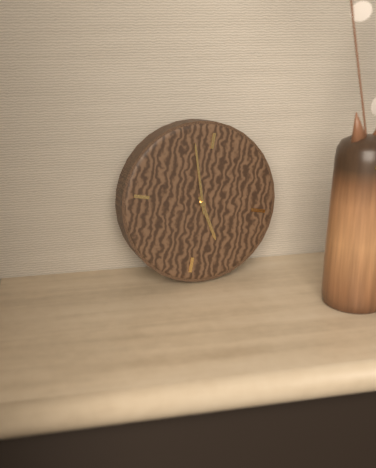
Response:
4h57
